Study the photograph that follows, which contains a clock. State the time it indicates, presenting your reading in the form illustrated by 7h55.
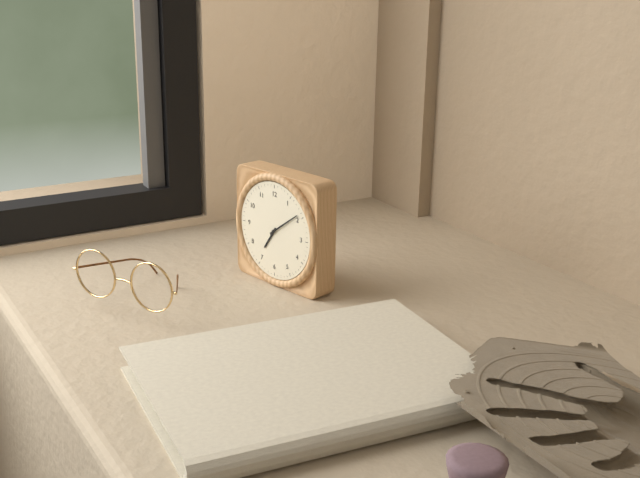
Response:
7h09
